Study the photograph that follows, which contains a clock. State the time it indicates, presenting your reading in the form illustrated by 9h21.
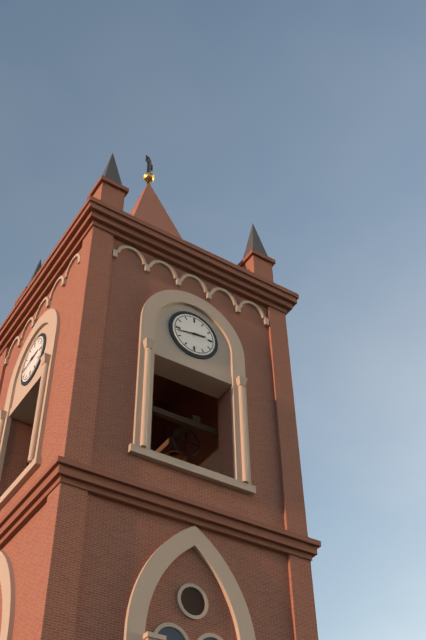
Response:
2h43
